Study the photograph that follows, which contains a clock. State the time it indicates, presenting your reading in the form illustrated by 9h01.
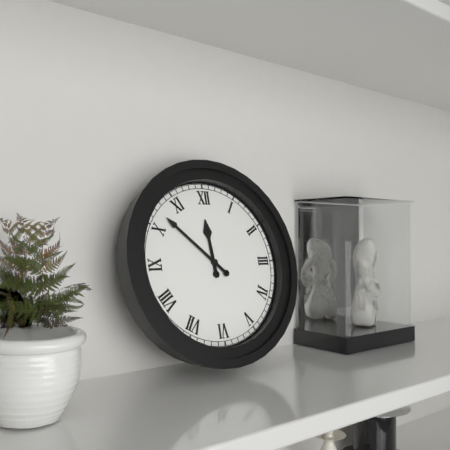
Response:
11h52
